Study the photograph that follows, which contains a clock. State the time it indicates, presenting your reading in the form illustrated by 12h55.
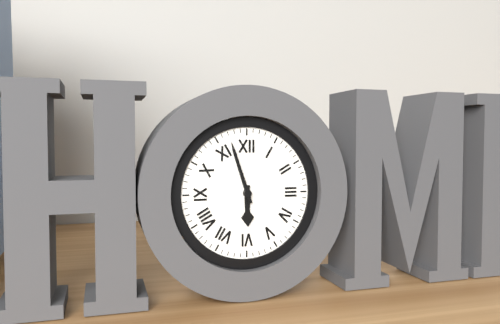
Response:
5h57
